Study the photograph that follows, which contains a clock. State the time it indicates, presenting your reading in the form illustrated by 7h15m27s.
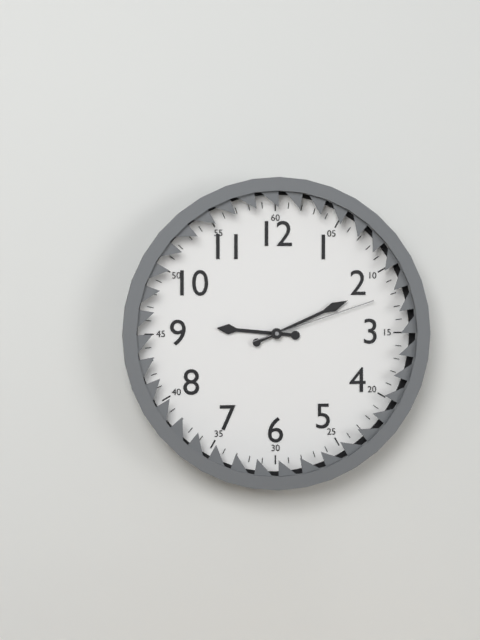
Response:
9h11m12s
